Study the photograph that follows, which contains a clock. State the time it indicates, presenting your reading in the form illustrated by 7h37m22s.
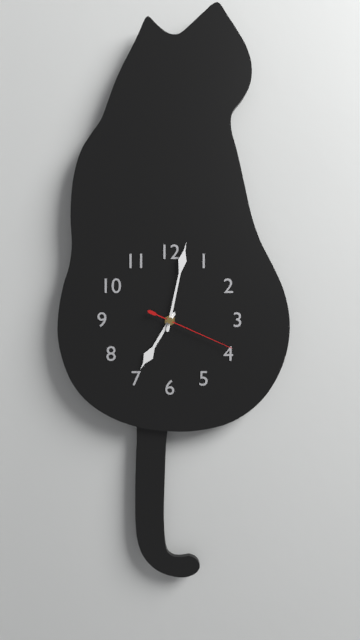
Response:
7h02m19s
